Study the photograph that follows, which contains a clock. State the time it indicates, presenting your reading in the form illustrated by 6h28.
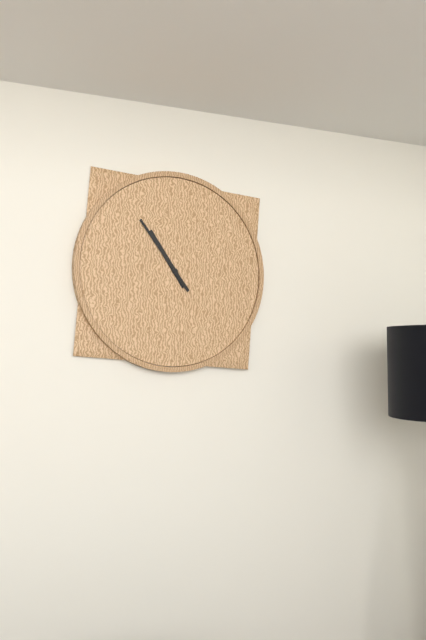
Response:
10h54
